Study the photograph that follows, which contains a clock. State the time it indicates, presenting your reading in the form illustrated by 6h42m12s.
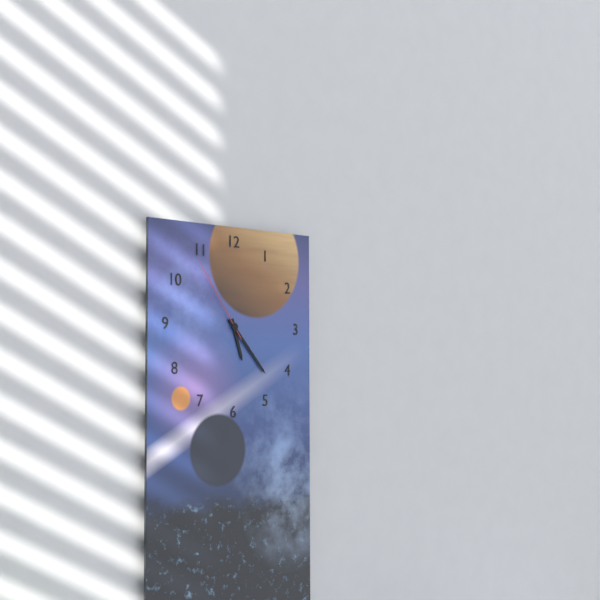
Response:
5h23m54s
